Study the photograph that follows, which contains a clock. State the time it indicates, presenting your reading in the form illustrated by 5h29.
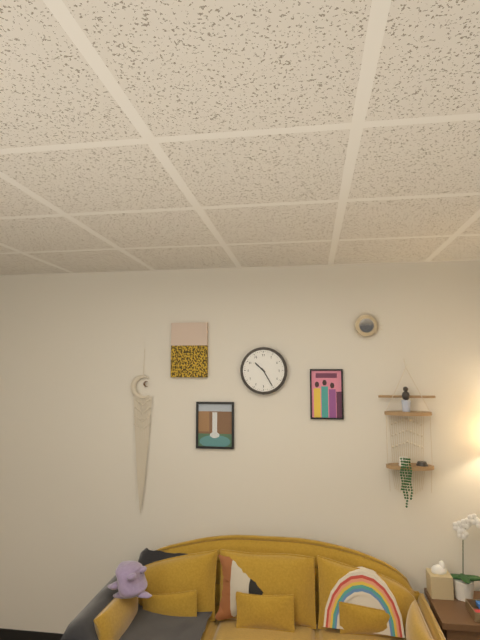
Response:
10h25
